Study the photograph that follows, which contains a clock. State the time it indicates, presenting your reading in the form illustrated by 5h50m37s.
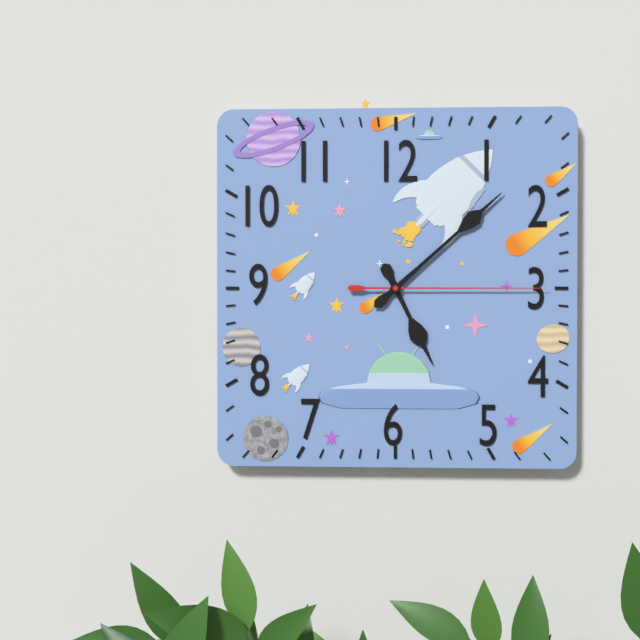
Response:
5h08m15s
